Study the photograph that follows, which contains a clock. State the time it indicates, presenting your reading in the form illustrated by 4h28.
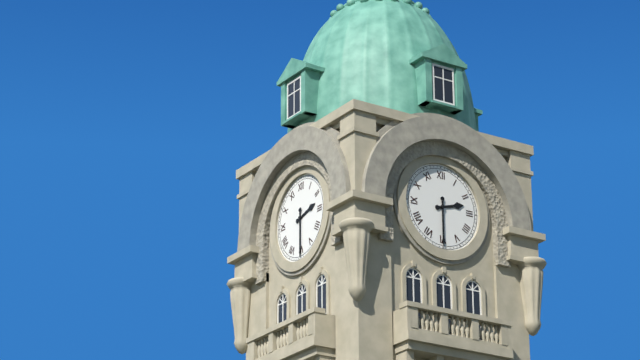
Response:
2h30
